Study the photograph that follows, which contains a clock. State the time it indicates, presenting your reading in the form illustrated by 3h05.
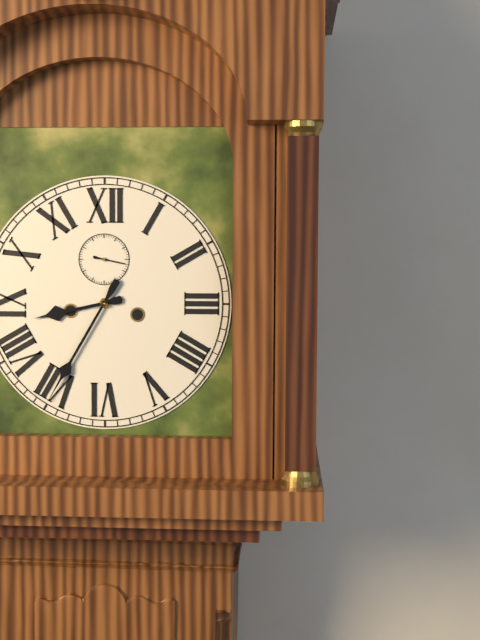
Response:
8h35
